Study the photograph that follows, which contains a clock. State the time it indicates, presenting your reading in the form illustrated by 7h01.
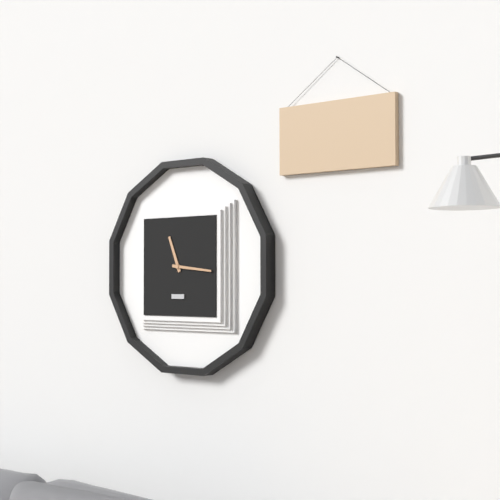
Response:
11h16
